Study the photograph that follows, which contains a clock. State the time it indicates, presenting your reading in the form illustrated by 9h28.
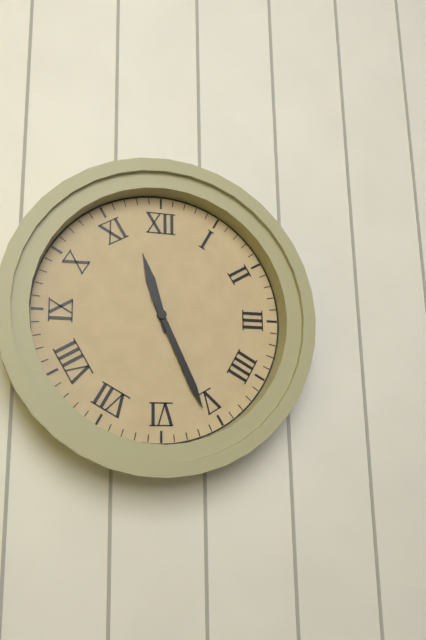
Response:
11h26
